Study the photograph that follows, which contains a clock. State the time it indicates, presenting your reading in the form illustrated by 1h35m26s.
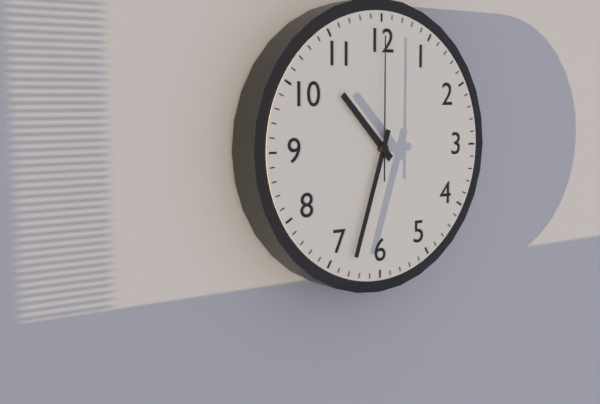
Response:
10h33m00s
